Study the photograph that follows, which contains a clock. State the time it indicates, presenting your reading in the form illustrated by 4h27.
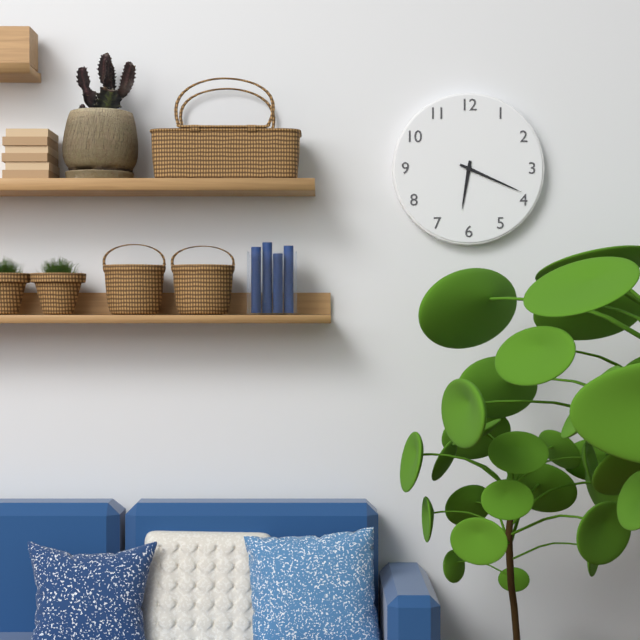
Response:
6h19
